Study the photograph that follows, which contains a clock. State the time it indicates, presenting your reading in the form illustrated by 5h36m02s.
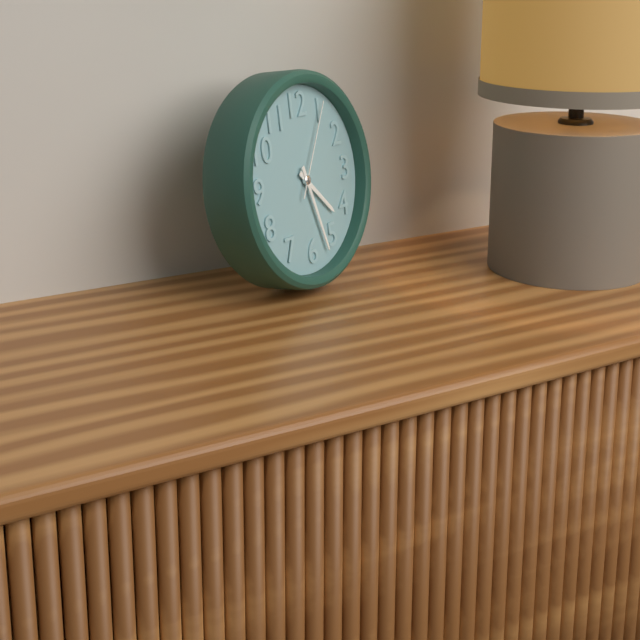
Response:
4h27m05s
